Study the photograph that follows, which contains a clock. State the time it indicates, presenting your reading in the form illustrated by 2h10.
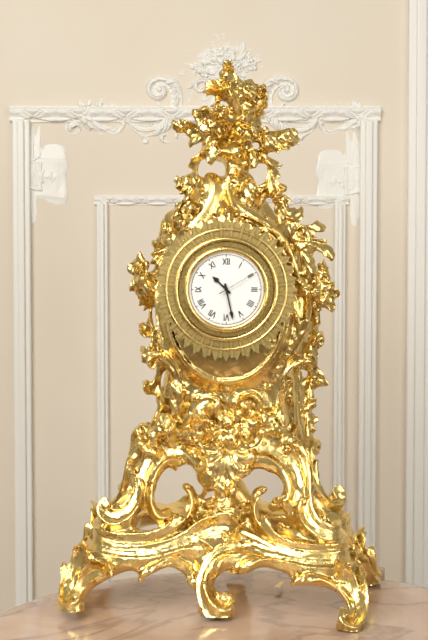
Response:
10h28
